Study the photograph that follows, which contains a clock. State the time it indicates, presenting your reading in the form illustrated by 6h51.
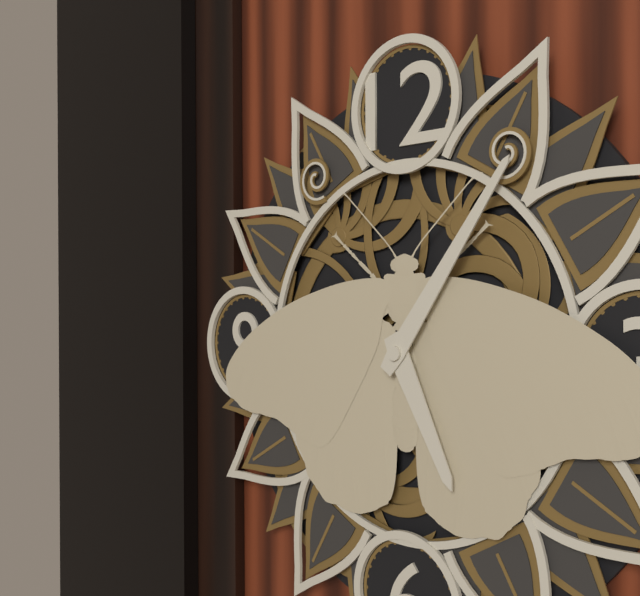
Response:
5h06
